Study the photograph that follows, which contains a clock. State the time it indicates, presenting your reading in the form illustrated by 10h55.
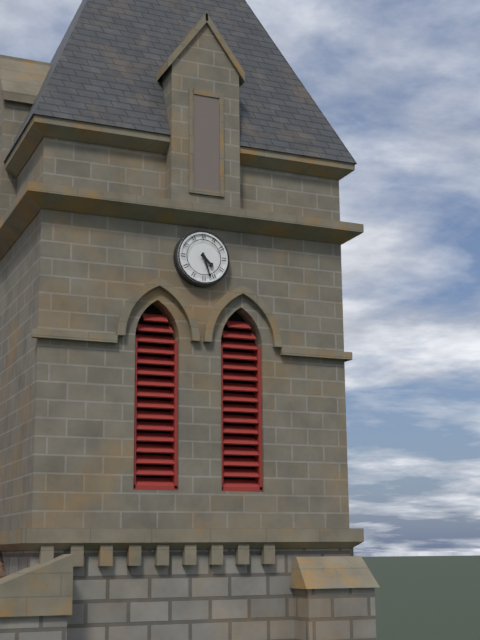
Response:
4h27
